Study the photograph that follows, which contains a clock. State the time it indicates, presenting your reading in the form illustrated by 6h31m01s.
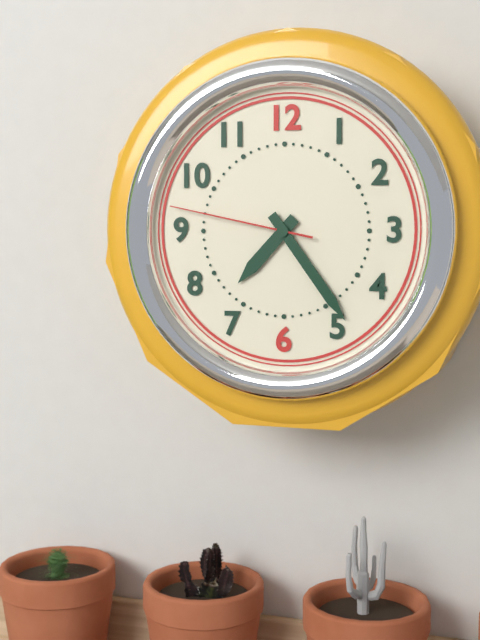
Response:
7h24m47s
